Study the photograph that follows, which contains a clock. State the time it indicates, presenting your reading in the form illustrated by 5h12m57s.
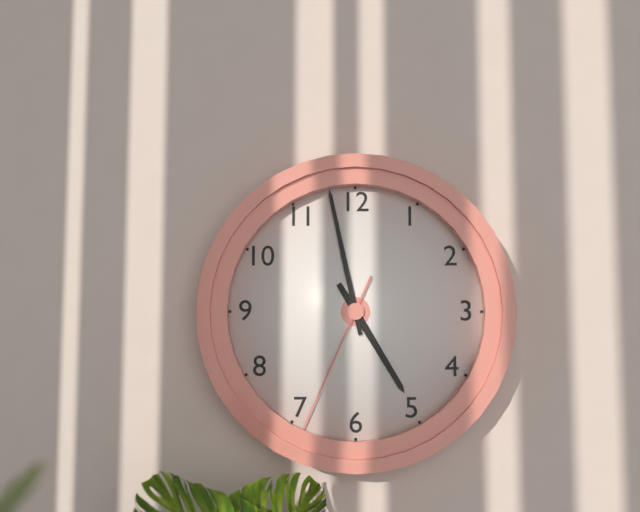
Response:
4h58m34s
